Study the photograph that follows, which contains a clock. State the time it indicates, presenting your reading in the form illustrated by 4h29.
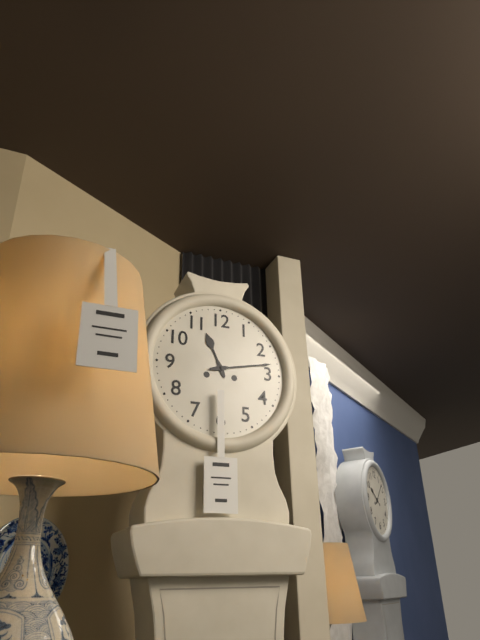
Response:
11h13
